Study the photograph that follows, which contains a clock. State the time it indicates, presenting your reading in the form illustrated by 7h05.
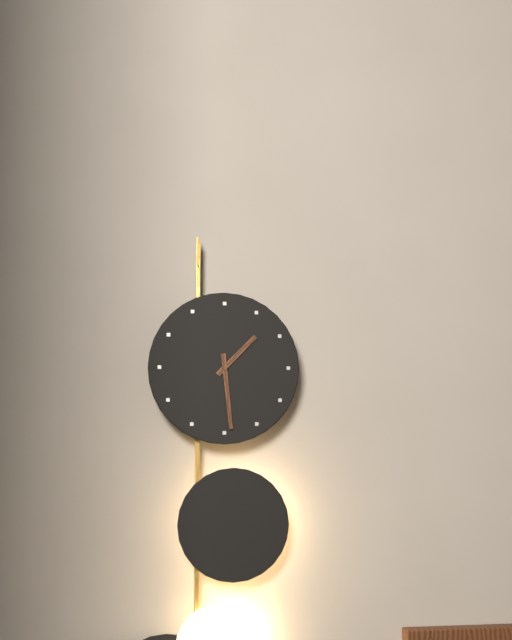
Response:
1h29
